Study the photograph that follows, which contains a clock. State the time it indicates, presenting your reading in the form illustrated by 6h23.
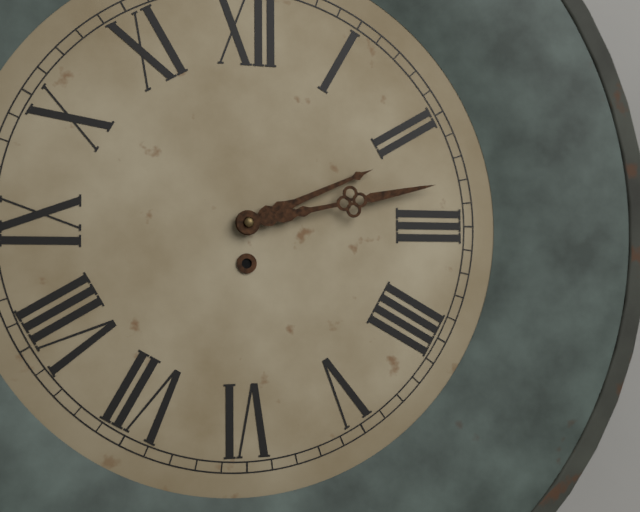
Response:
2h13
